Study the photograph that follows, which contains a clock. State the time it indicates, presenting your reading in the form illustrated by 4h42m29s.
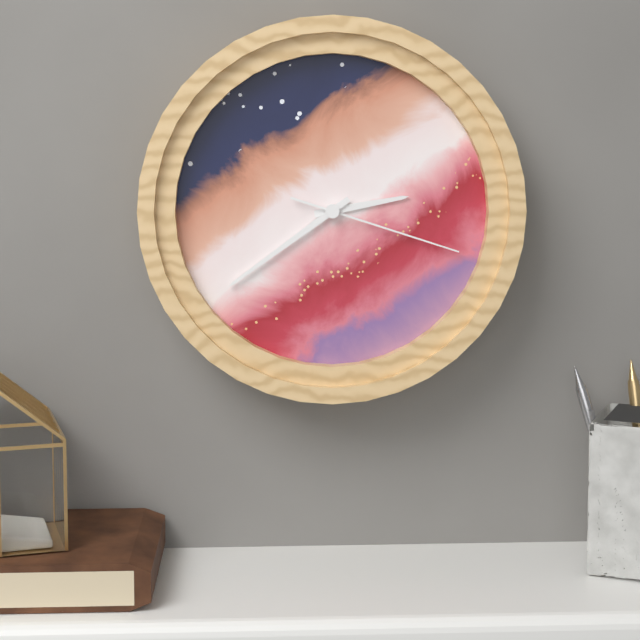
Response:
2h39m18s
